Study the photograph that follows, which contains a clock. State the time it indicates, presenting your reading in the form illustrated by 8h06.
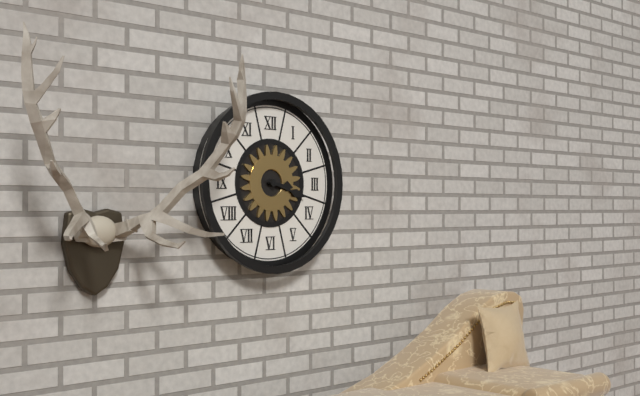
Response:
3h18
